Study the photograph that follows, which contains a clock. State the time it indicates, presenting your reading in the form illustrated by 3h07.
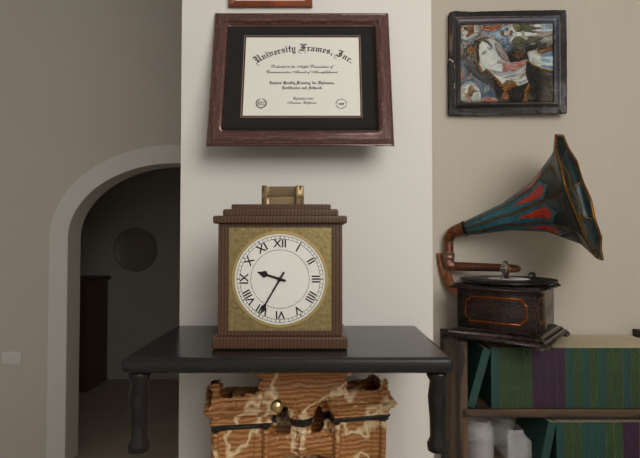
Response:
9h35
